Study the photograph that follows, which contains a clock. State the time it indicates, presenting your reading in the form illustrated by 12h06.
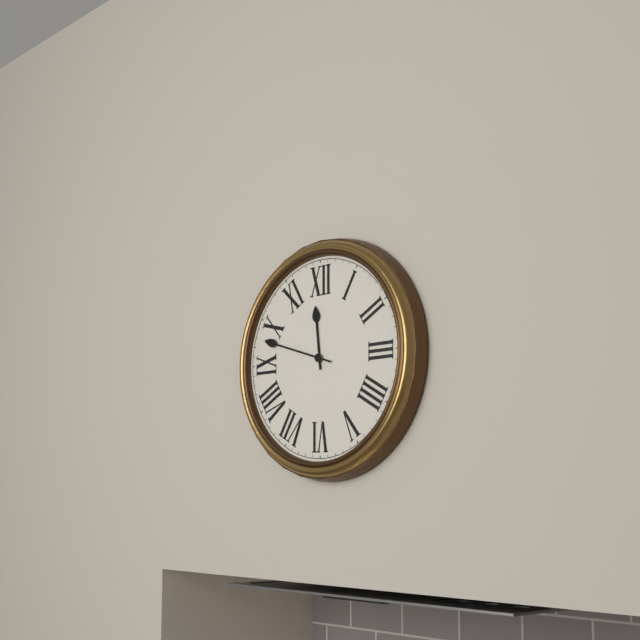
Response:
11h48
